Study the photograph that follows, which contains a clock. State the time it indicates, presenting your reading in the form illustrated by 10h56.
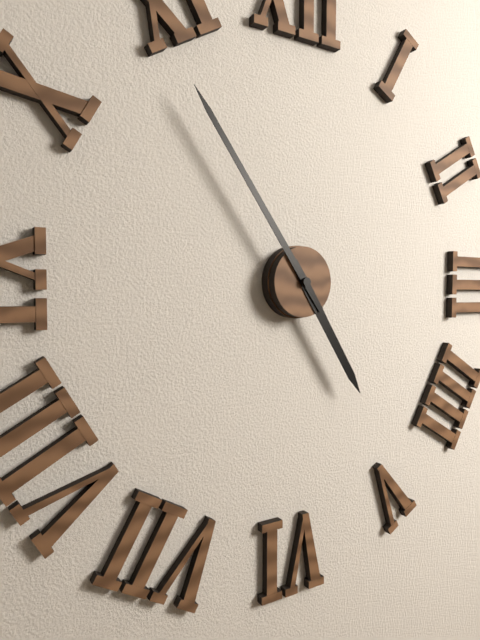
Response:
4h54
